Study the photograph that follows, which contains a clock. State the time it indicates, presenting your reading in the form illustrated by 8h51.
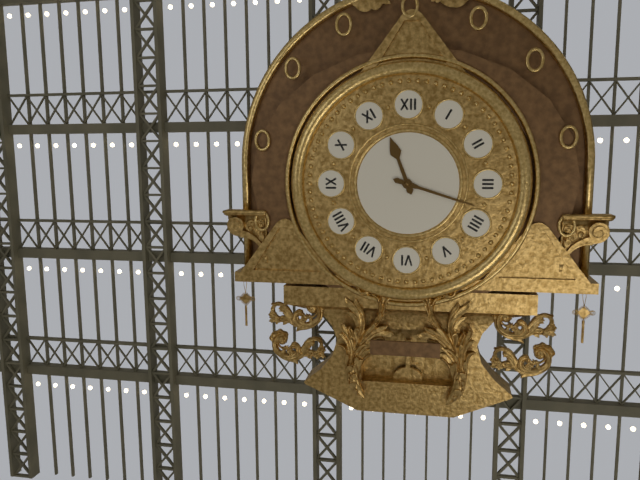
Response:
11h18
